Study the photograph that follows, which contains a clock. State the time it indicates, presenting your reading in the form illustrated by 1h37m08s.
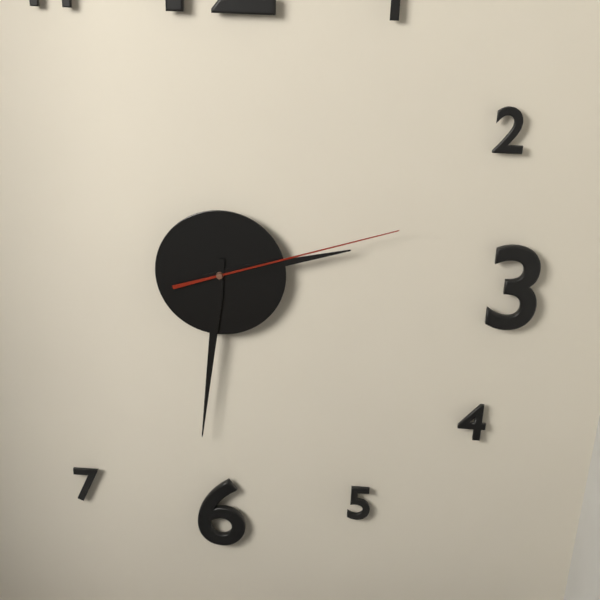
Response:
2h31m12s
